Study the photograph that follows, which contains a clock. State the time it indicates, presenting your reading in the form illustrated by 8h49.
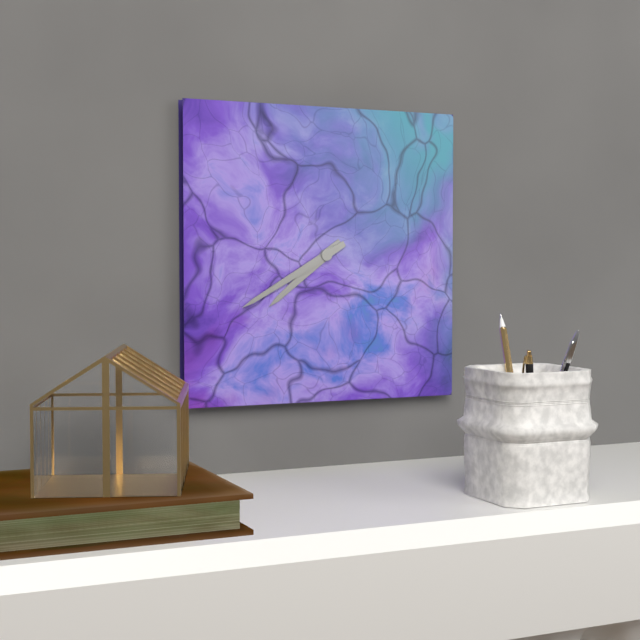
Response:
7h40
